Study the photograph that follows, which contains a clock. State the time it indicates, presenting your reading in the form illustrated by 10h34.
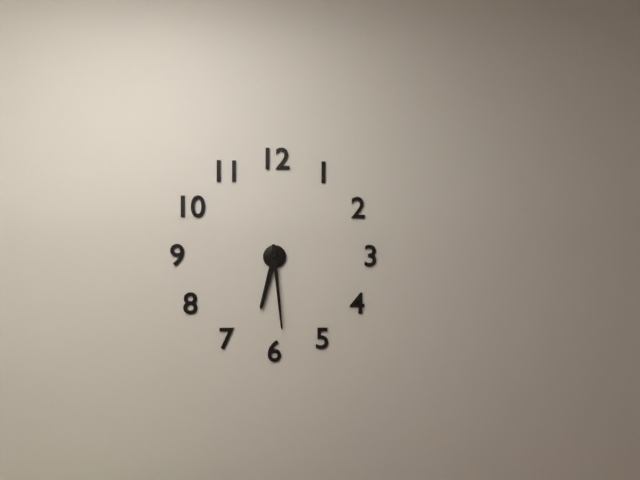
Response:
6h29
